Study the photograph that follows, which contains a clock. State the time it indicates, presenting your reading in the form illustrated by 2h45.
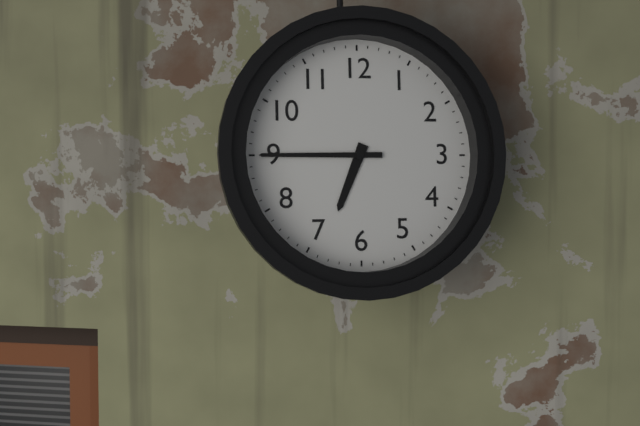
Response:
6h45
